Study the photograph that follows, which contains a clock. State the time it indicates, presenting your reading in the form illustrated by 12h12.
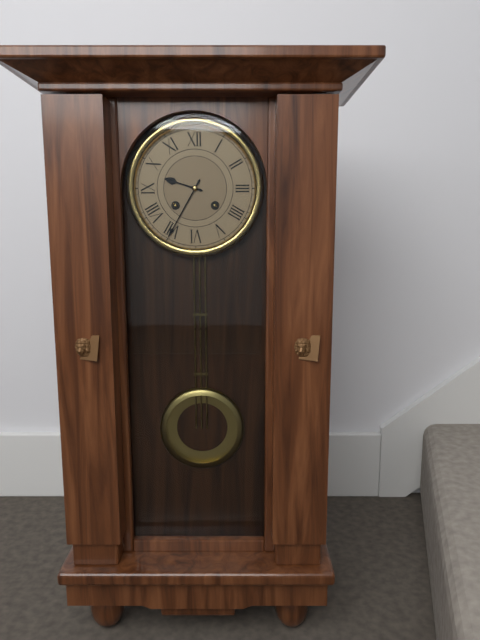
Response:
9h35
